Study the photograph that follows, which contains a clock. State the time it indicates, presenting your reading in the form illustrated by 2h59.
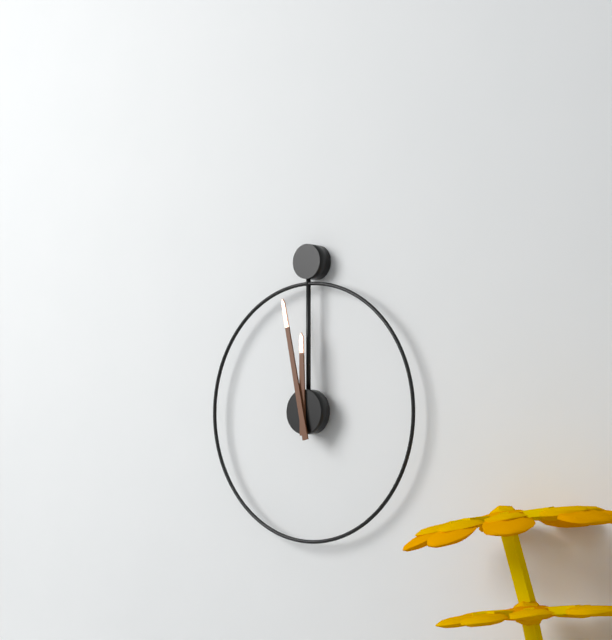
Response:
11h58
